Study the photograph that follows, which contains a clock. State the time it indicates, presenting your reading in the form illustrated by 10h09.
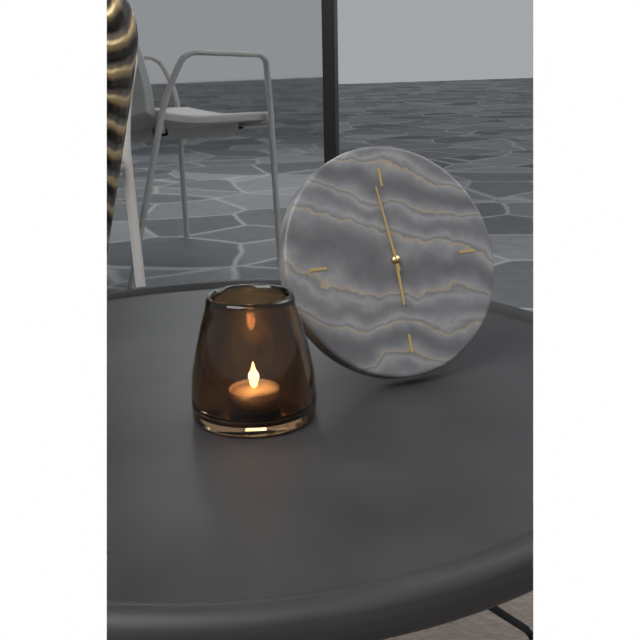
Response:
5h59
